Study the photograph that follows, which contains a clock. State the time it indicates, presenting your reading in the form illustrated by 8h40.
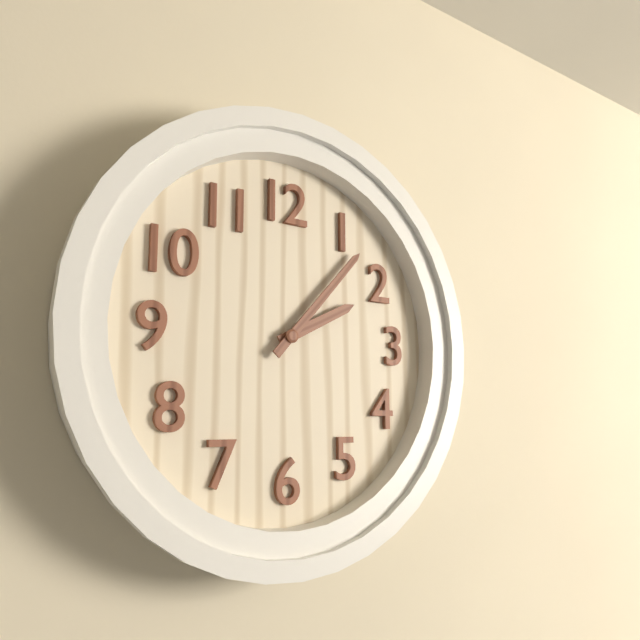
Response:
2h07
